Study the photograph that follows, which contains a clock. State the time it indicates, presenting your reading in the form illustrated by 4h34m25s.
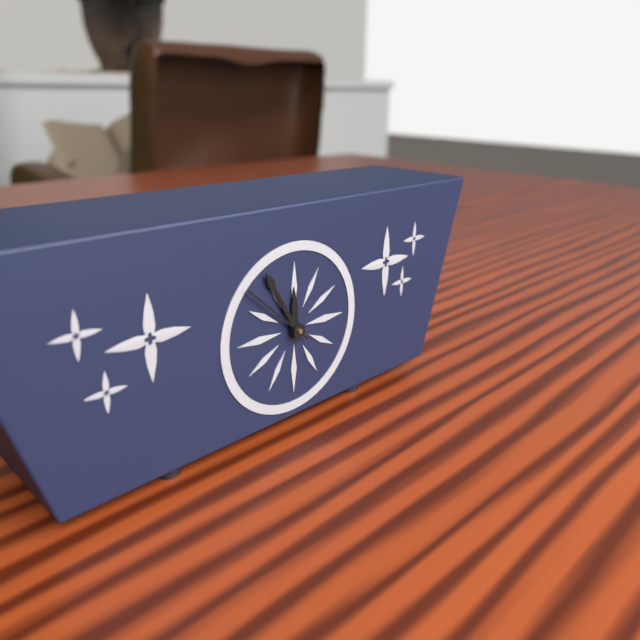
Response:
11h55m52s
